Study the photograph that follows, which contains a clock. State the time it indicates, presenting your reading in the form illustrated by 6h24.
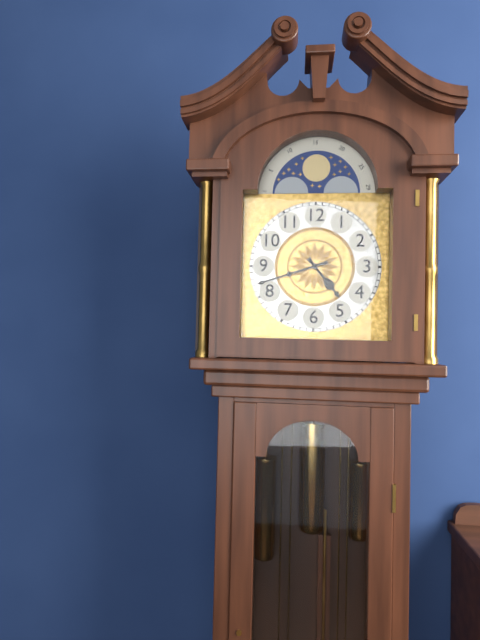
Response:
4h42
